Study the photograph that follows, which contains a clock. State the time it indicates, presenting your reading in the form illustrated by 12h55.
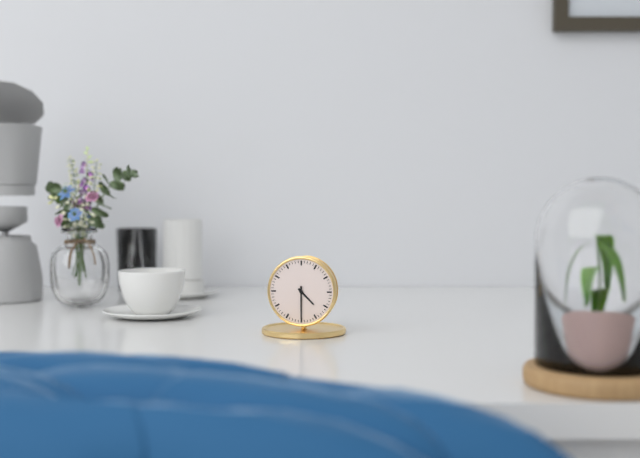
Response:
4h30
